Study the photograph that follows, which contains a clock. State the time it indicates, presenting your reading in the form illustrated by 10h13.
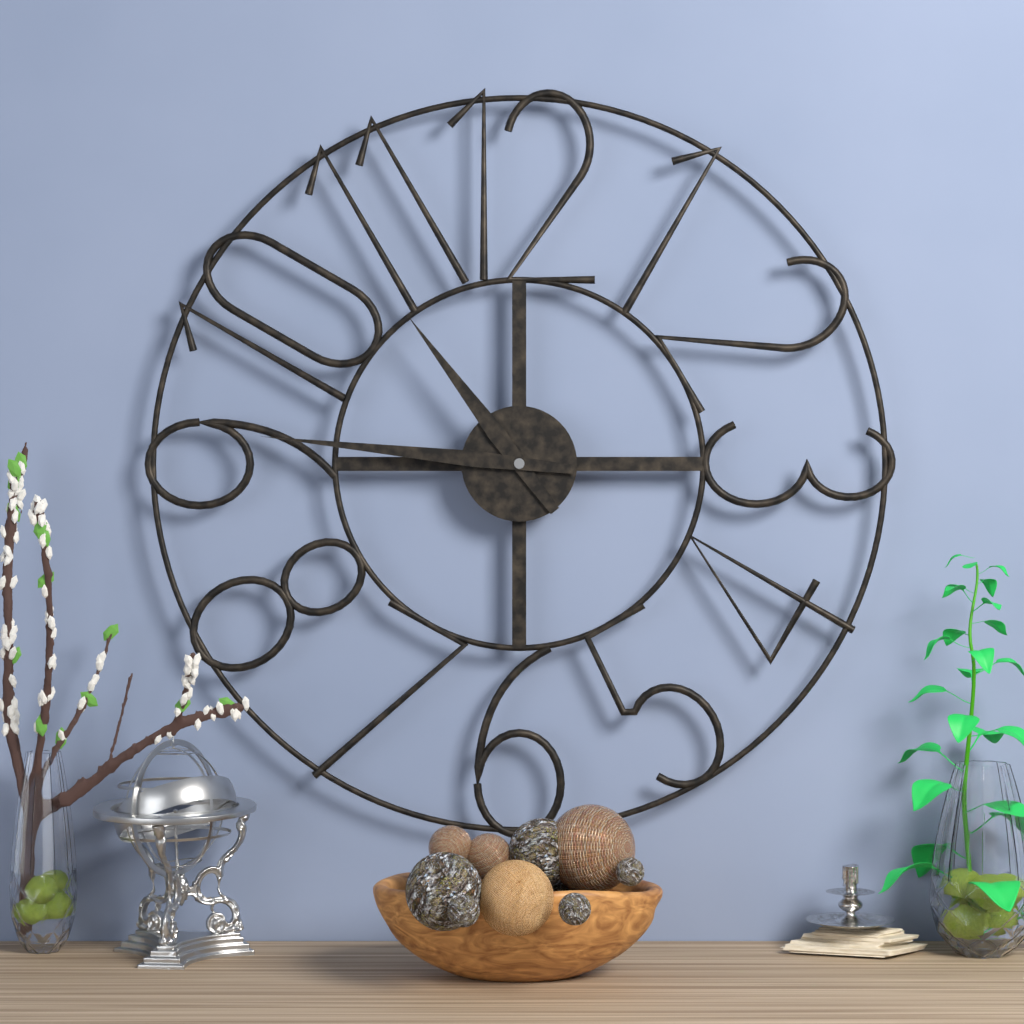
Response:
10h46
